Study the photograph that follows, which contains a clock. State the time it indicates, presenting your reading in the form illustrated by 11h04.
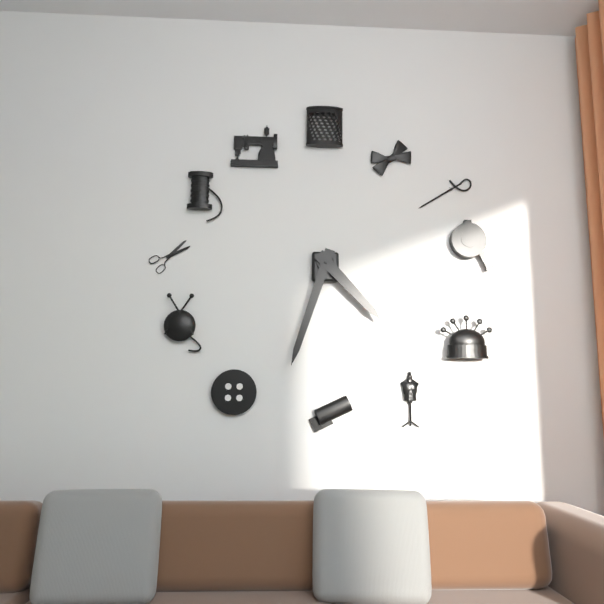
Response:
4h33
